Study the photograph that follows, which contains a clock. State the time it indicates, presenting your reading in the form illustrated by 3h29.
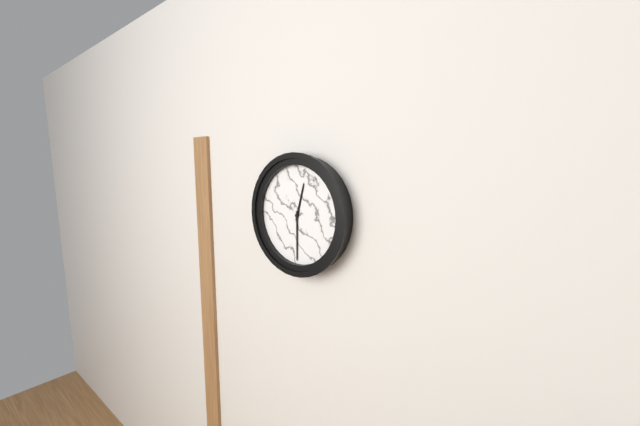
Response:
12h30
